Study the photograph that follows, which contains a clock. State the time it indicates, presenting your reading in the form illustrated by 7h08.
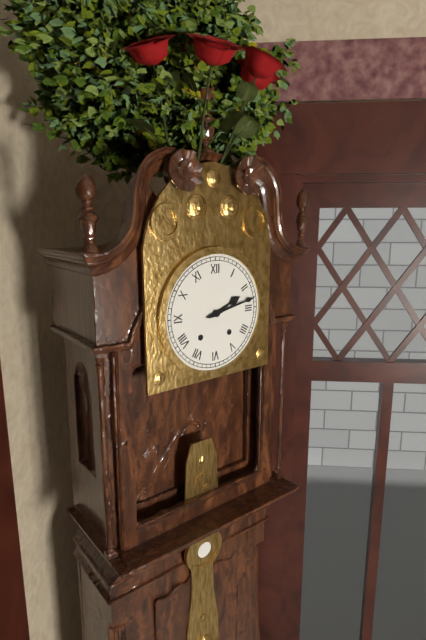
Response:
2h13
